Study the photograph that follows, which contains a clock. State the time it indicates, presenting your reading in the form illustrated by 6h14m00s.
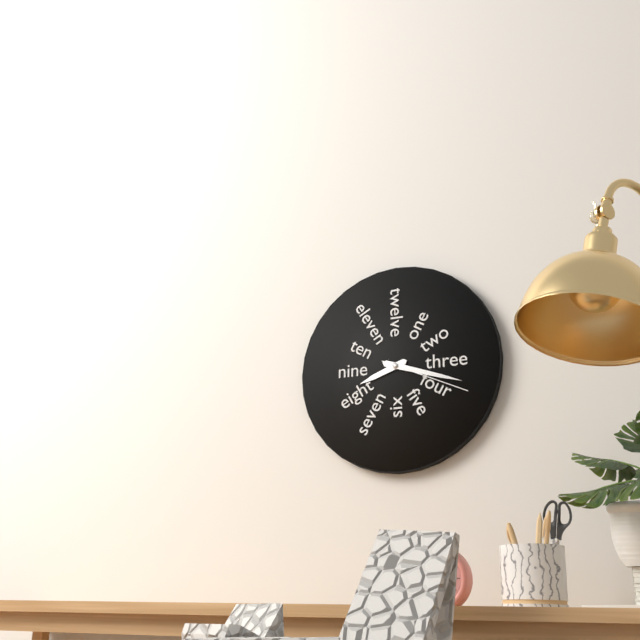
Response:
8h18m19s
